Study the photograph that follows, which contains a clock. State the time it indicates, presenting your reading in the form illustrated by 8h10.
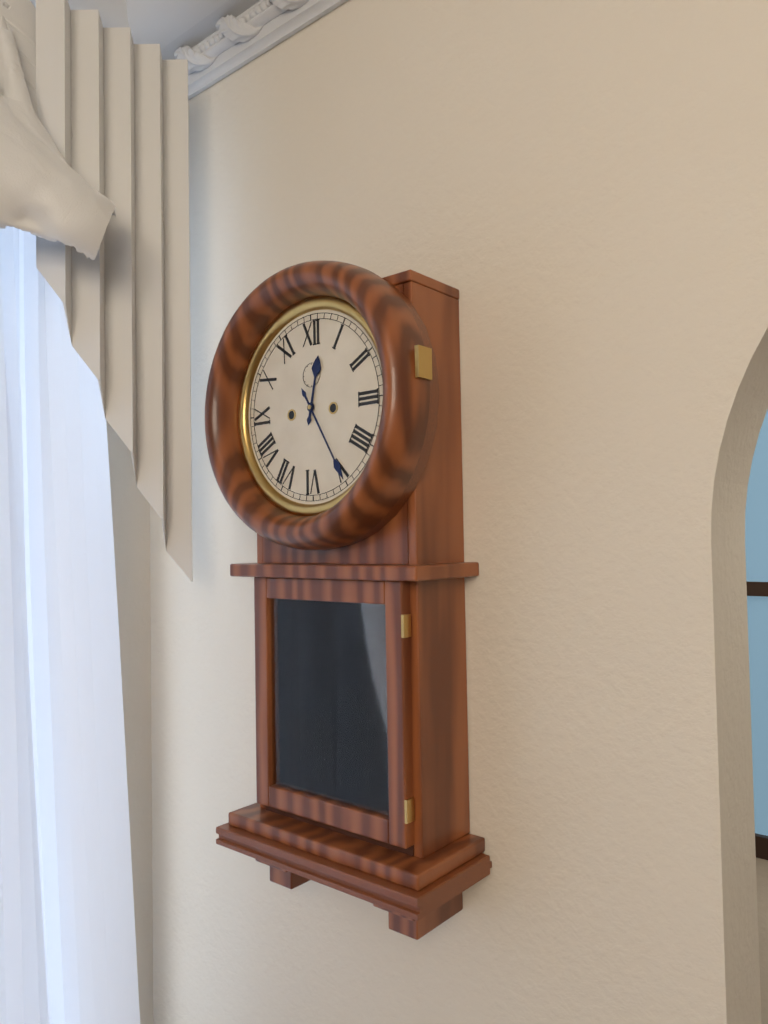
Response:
12h25
